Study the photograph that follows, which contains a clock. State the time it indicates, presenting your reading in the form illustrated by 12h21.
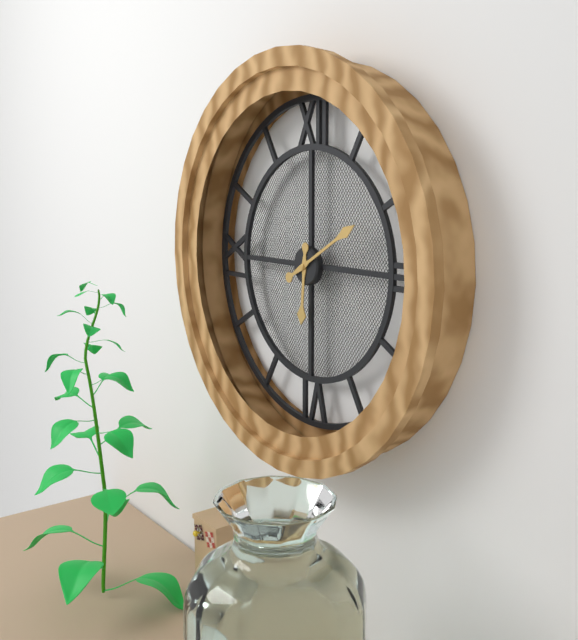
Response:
6h10
